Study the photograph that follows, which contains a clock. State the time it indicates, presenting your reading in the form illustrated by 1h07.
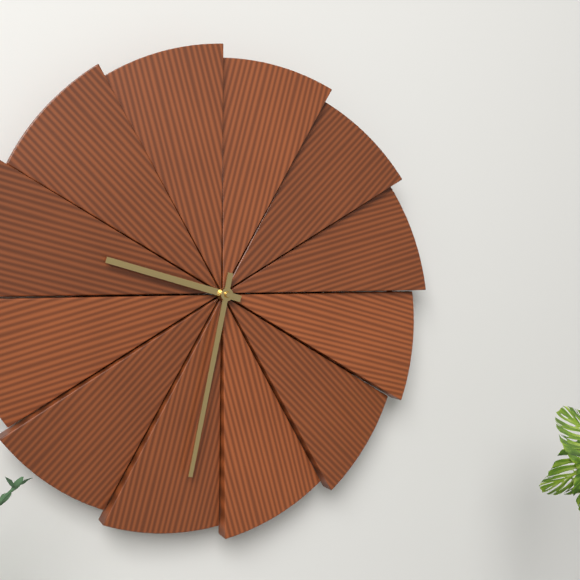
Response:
9h32
